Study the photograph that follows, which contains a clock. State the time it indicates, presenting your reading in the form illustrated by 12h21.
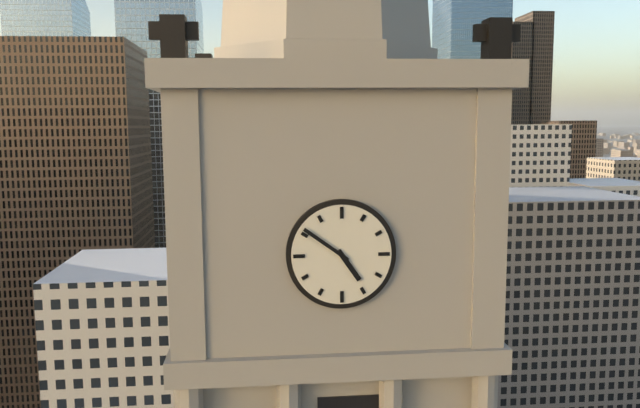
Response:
4h51
